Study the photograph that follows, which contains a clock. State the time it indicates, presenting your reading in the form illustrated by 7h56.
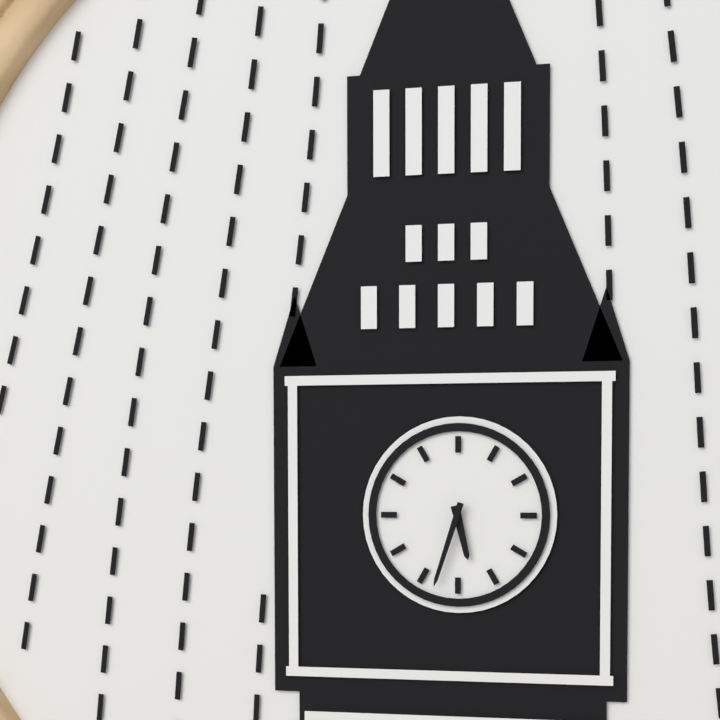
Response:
5h33
